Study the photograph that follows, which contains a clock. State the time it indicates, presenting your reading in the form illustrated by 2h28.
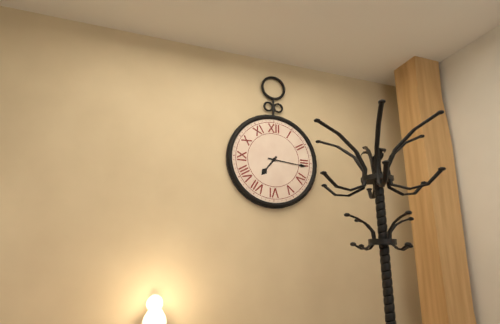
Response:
7h16
